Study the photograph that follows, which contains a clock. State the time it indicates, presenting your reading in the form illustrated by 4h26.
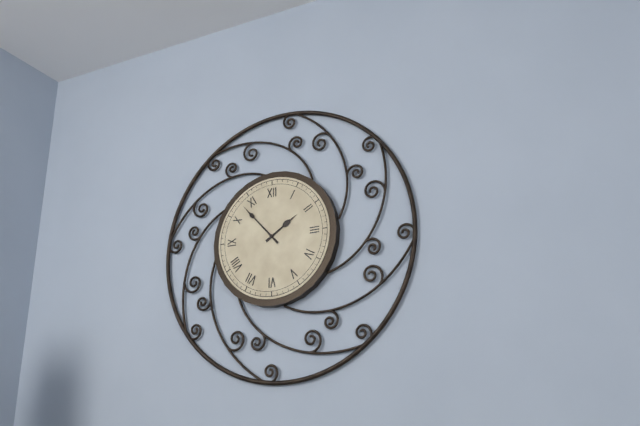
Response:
1h53
